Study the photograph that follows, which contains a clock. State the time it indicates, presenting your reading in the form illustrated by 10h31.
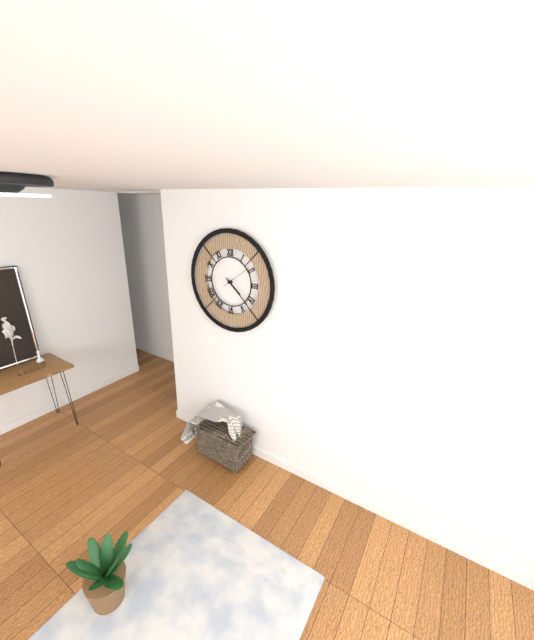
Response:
4h22
